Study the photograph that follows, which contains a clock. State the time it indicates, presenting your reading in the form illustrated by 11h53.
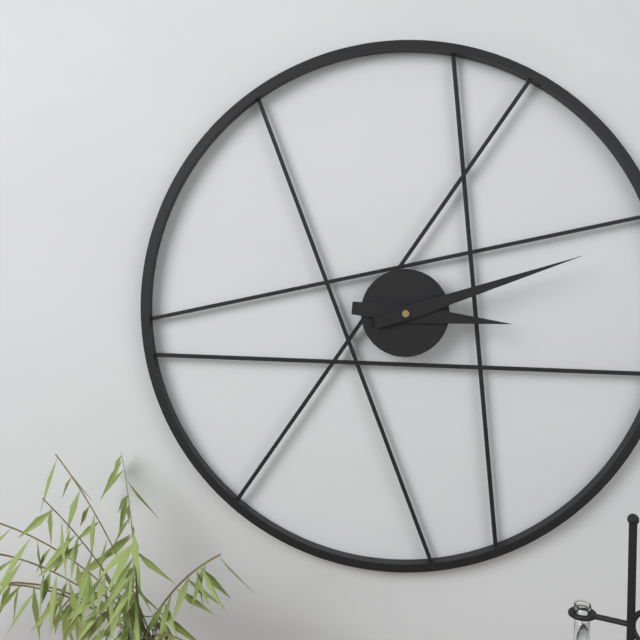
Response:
3h12
